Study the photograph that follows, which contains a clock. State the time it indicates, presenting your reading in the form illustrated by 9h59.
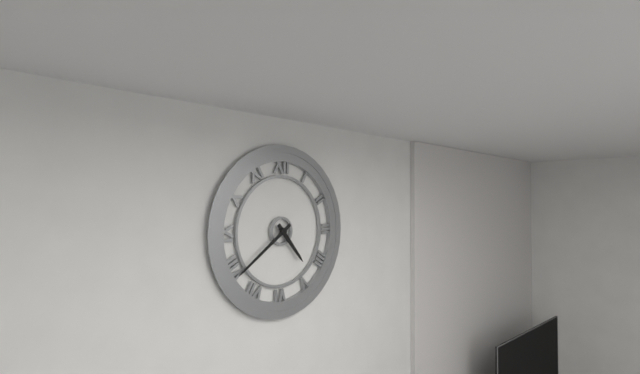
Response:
4h39
